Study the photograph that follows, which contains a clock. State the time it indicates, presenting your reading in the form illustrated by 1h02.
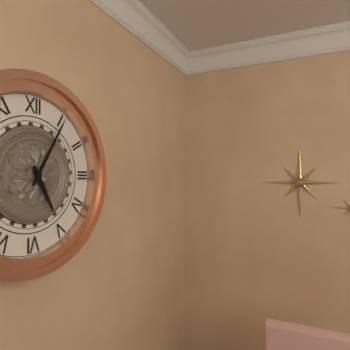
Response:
5h05
